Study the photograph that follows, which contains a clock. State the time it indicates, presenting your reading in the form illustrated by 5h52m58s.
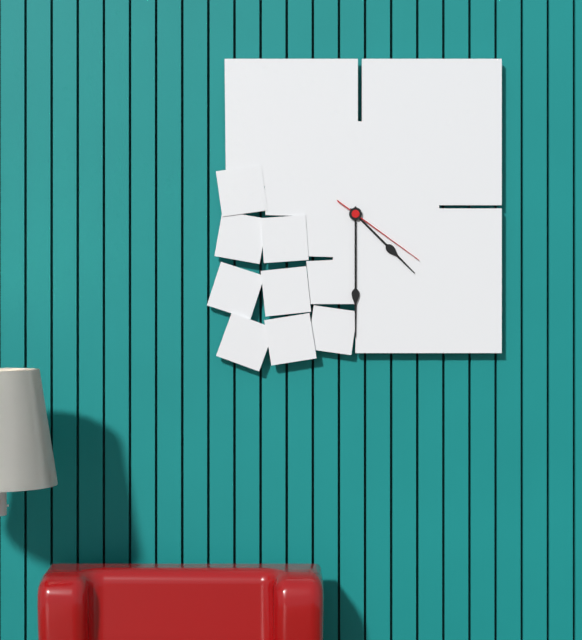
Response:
4h30m21s
